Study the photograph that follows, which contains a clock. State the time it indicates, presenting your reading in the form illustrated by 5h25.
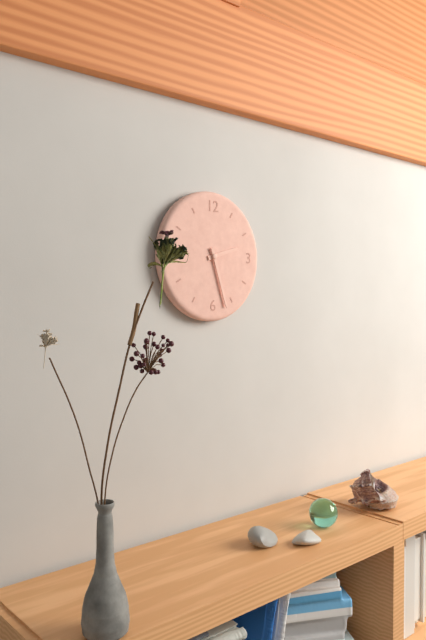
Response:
2h27
